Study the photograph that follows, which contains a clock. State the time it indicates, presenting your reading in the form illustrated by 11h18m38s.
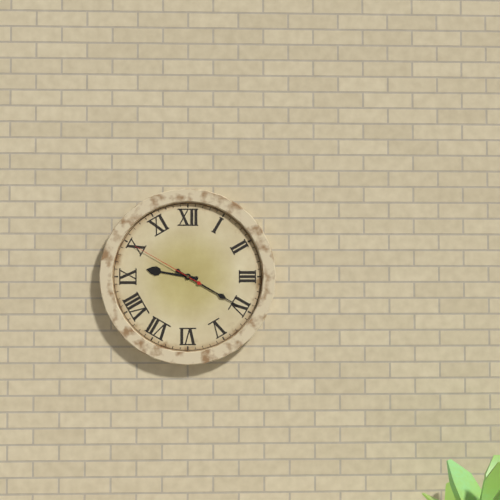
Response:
9h20m50s
